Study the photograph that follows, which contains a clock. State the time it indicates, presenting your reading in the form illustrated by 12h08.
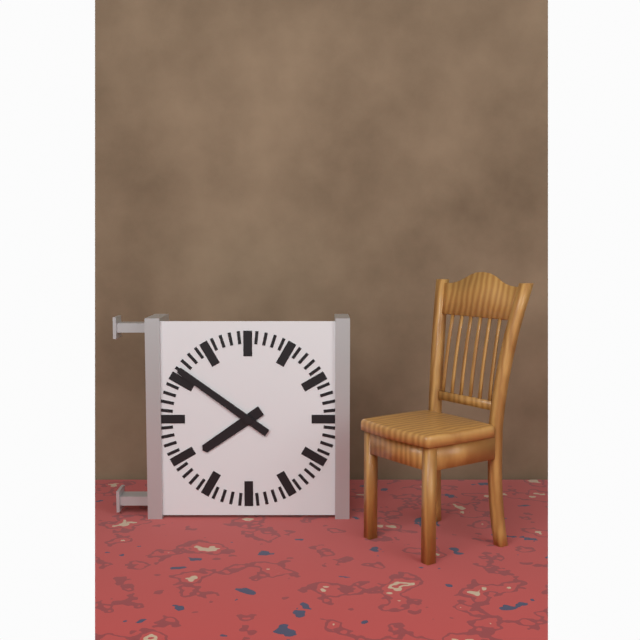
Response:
7h51
